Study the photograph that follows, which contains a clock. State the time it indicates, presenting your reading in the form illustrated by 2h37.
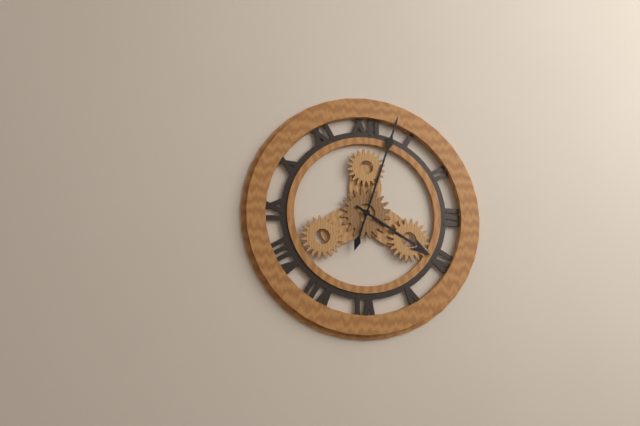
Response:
4h03
